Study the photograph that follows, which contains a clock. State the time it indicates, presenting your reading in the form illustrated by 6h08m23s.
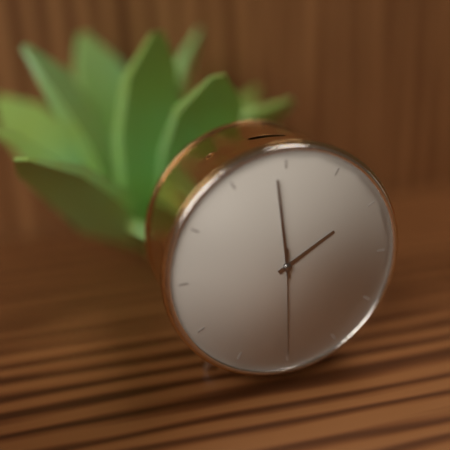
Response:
1h59m30s
